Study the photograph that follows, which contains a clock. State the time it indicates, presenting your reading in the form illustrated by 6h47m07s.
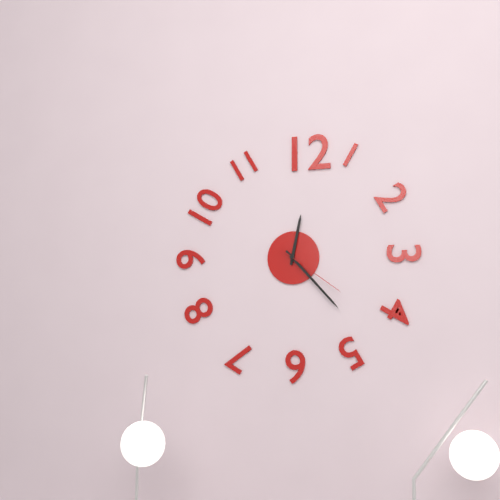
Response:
12h23m21s
